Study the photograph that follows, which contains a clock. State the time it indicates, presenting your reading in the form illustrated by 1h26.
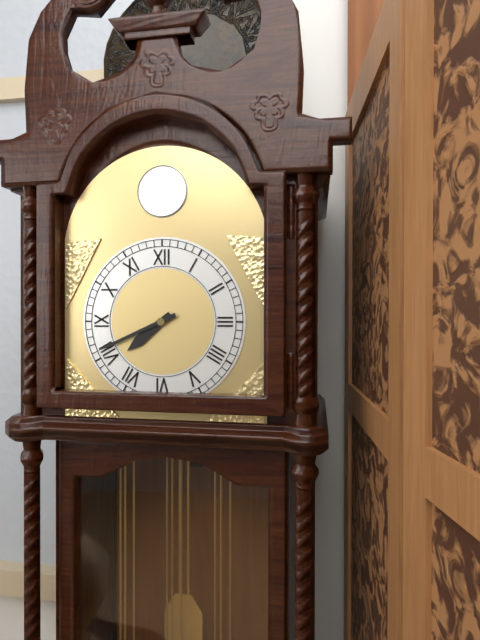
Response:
7h41
